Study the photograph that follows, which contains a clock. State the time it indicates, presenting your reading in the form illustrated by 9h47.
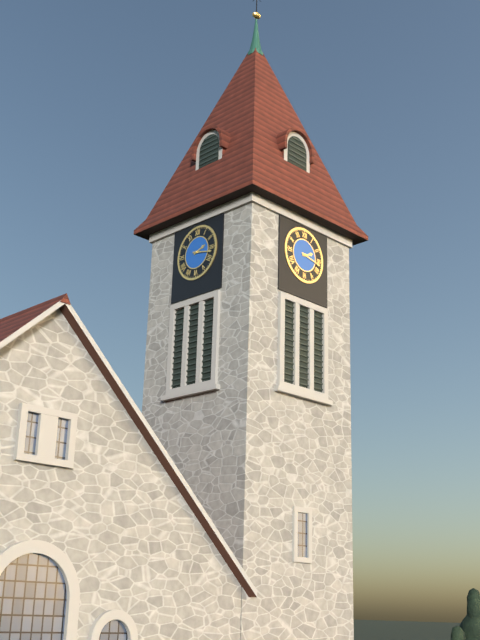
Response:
2h17
